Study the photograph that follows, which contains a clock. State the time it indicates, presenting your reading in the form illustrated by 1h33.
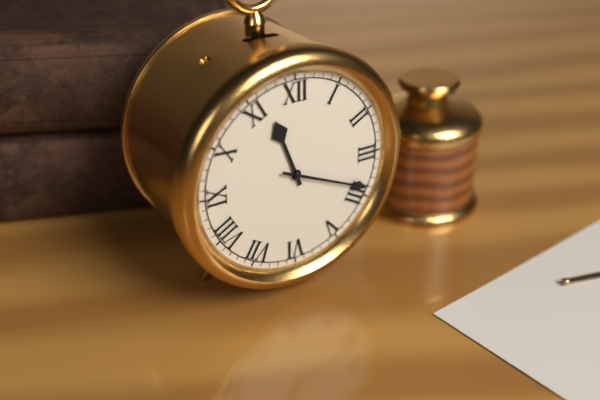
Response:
11h19
